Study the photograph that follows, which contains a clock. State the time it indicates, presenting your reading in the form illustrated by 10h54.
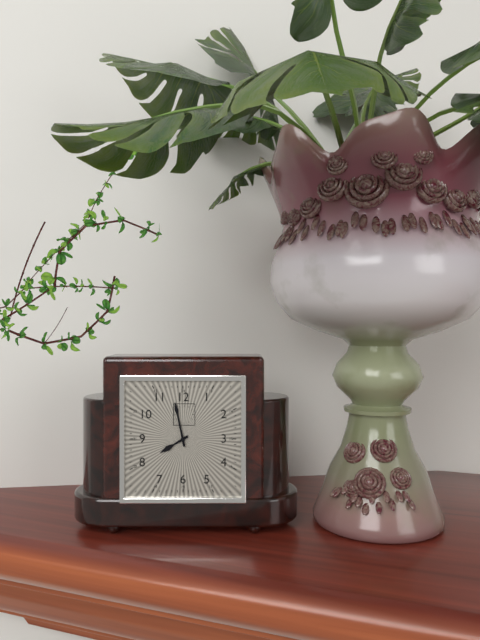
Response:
7h58
